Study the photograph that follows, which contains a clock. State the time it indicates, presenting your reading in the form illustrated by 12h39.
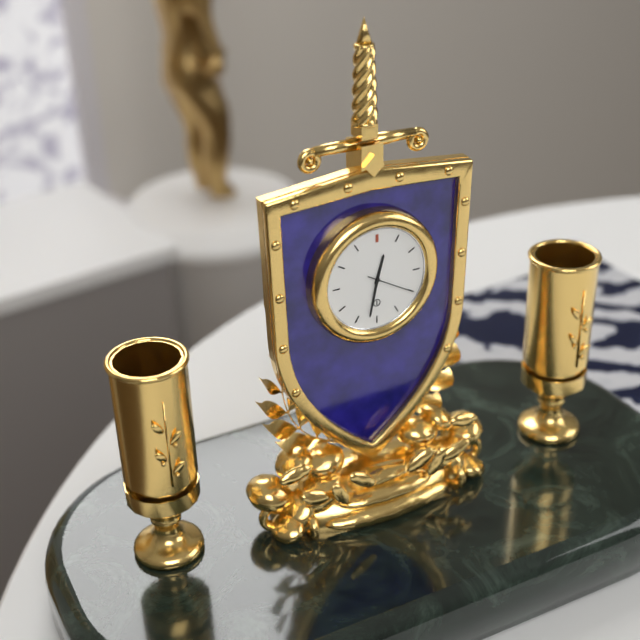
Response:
12h32
